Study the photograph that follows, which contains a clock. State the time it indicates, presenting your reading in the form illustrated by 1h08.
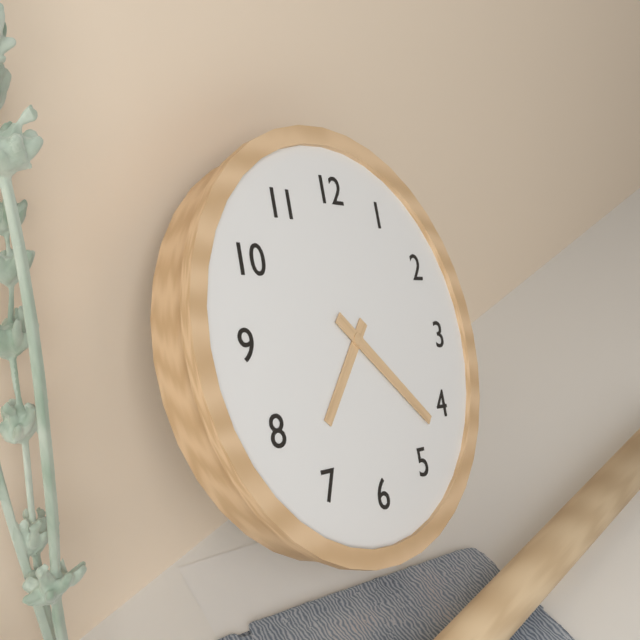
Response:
7h22
